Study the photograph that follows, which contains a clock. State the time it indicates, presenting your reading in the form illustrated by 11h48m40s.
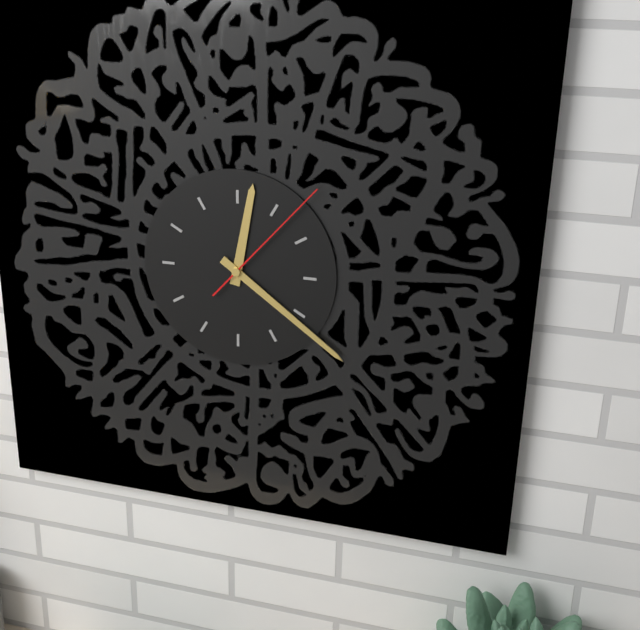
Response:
12h21m07s
